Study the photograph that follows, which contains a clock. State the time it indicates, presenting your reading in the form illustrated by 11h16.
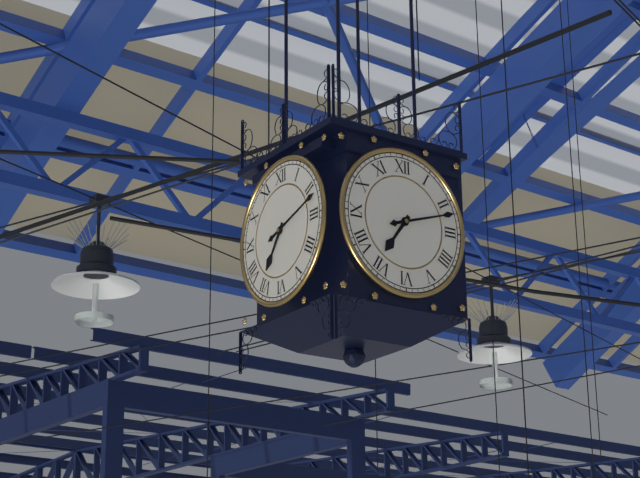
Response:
7h12
